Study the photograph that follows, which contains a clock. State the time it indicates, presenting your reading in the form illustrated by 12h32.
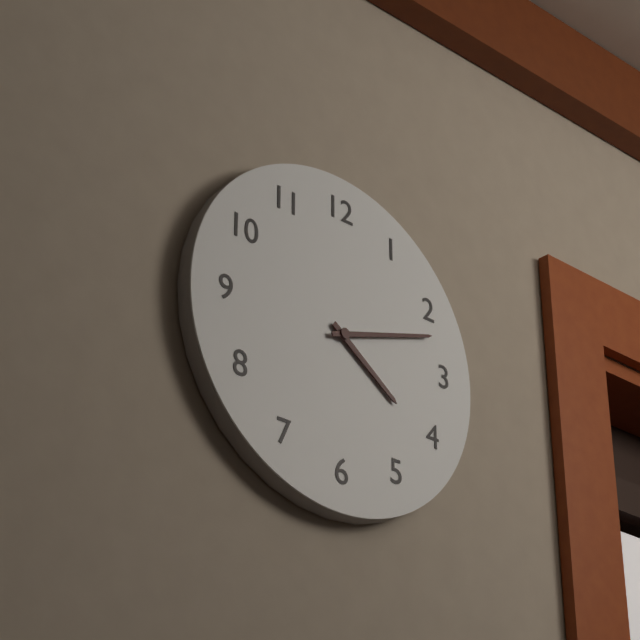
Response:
4h12
